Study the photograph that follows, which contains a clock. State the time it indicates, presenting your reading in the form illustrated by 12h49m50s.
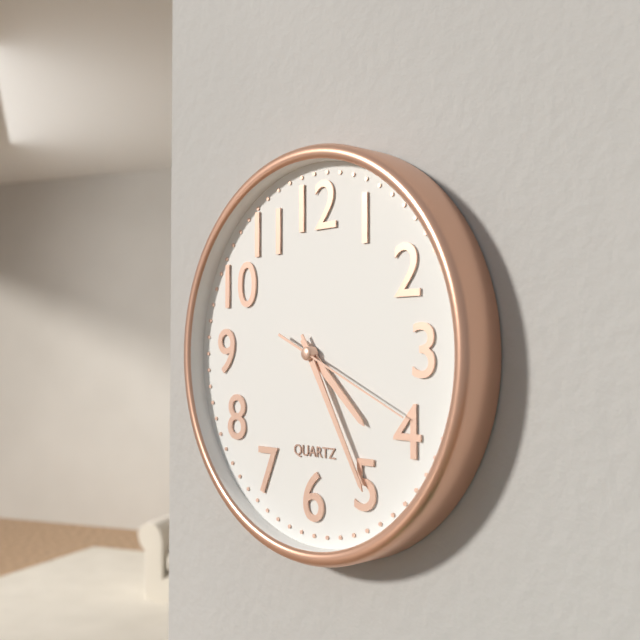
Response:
4h25m19s
